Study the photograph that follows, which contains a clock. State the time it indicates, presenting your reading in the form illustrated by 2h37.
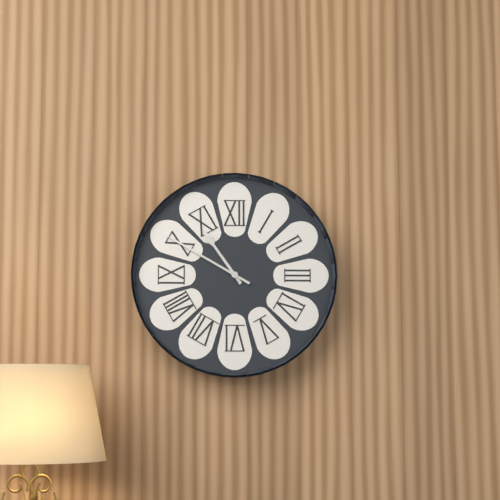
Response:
10h50
